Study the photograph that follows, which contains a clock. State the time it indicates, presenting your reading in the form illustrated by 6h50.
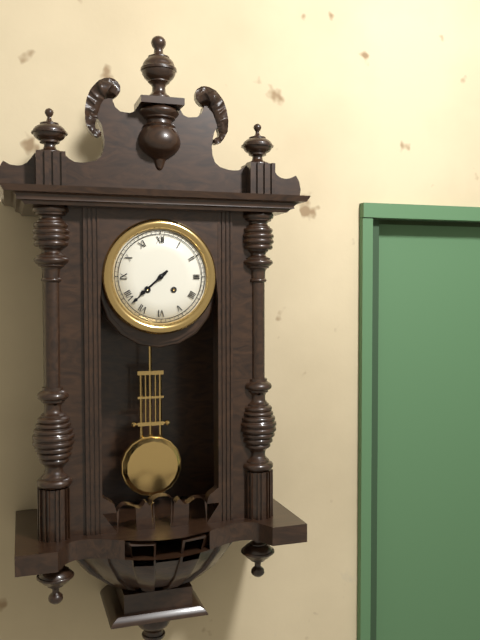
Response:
7h38
